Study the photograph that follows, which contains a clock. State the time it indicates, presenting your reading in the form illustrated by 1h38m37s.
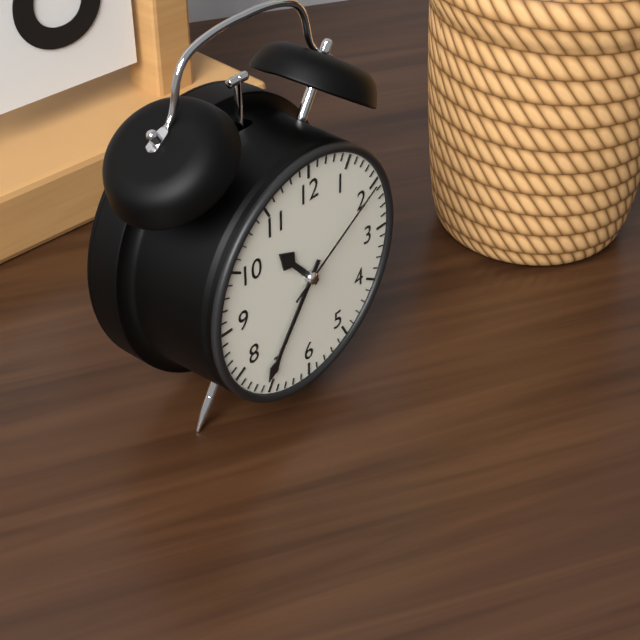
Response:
10h36m10s
